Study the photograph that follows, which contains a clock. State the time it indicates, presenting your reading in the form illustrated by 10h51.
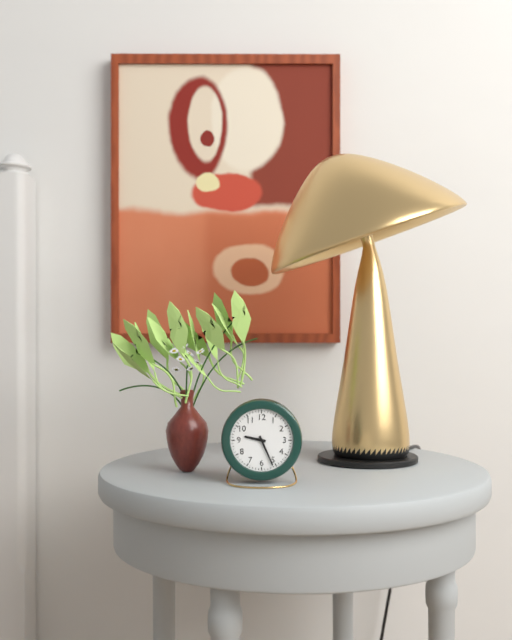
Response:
9h26
